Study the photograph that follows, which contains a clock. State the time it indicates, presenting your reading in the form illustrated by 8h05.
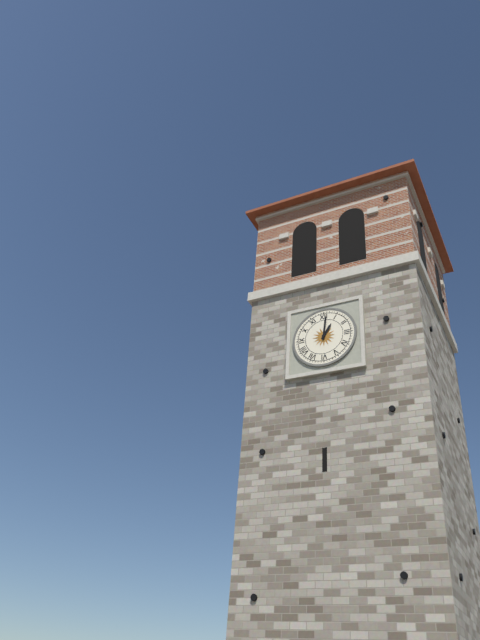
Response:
1h01
